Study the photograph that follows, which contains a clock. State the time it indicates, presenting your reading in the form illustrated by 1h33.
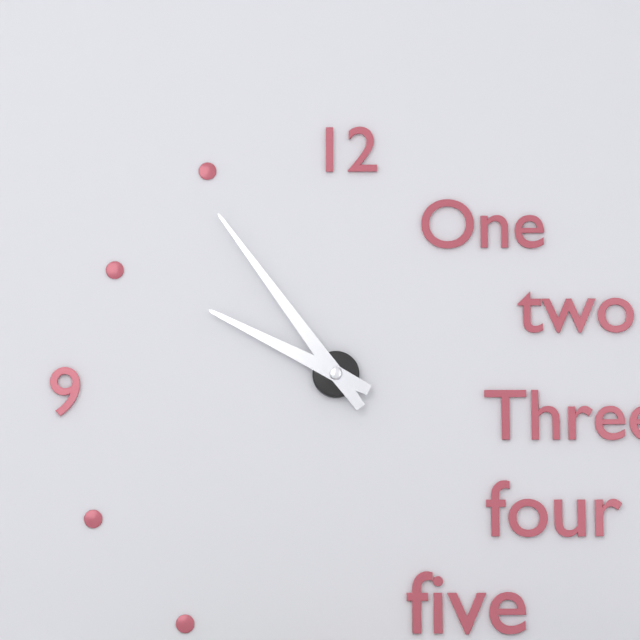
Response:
9h54
